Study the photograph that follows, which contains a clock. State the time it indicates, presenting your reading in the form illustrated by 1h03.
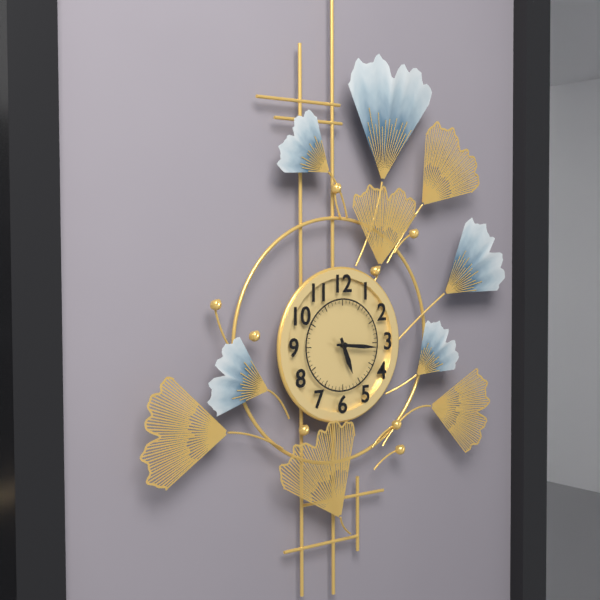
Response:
5h16
